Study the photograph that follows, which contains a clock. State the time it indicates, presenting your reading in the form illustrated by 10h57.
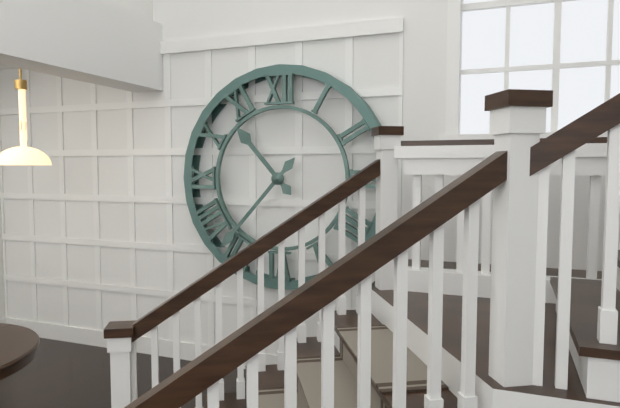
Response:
10h37
